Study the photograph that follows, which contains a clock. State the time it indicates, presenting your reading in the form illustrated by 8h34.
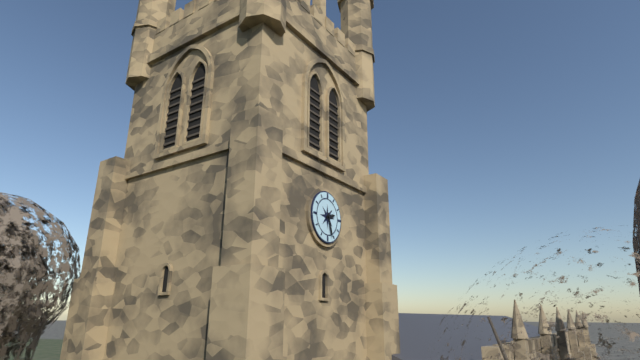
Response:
2h27
